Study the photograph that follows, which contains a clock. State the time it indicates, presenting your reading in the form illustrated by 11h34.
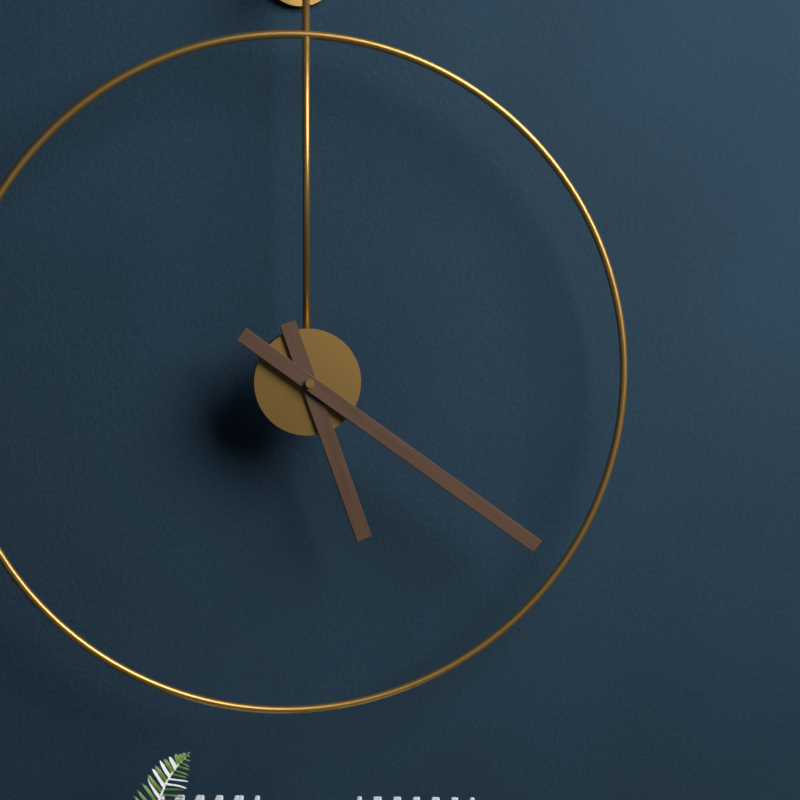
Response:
5h21
